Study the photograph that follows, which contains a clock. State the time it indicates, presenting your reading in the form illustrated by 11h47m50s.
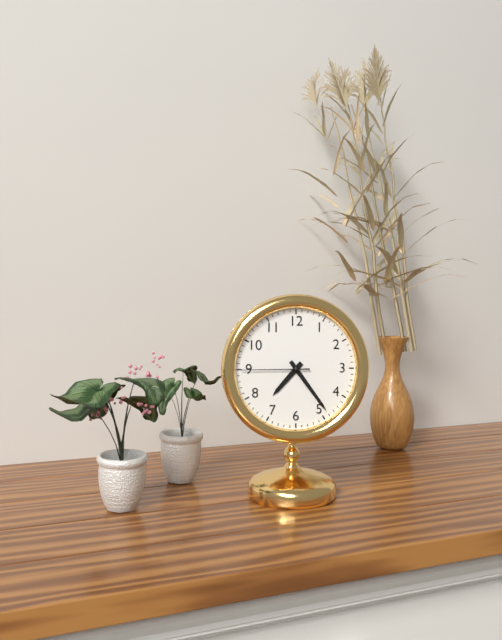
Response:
7h24m45s
